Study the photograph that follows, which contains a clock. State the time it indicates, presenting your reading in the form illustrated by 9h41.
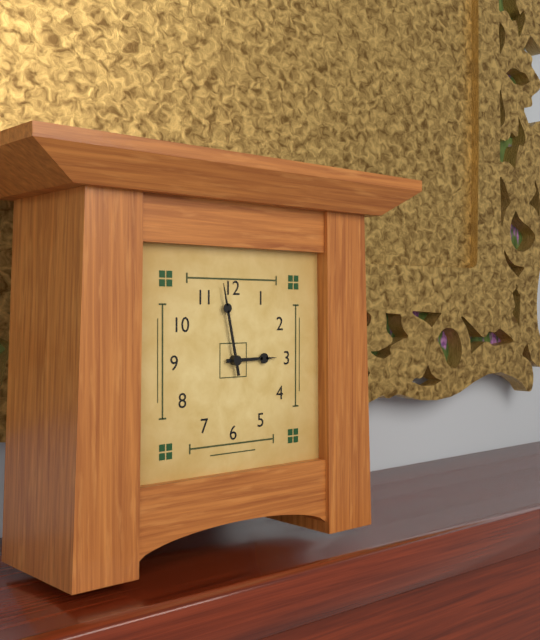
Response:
2h58
